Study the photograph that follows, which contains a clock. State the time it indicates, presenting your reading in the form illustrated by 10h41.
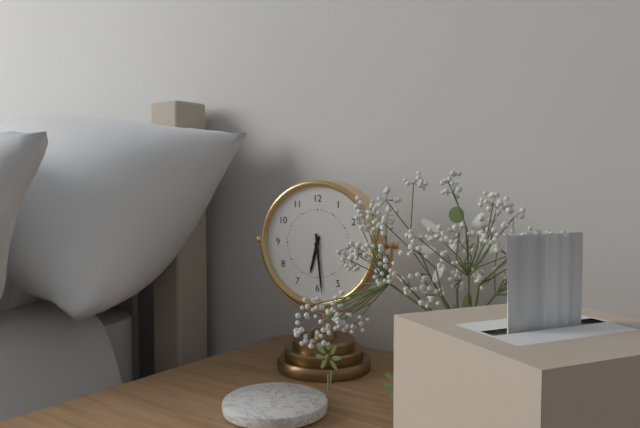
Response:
6h29
